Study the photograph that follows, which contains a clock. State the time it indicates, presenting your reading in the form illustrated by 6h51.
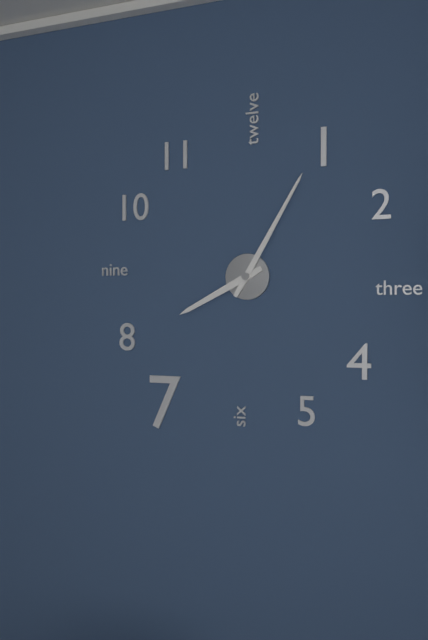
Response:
8h05
